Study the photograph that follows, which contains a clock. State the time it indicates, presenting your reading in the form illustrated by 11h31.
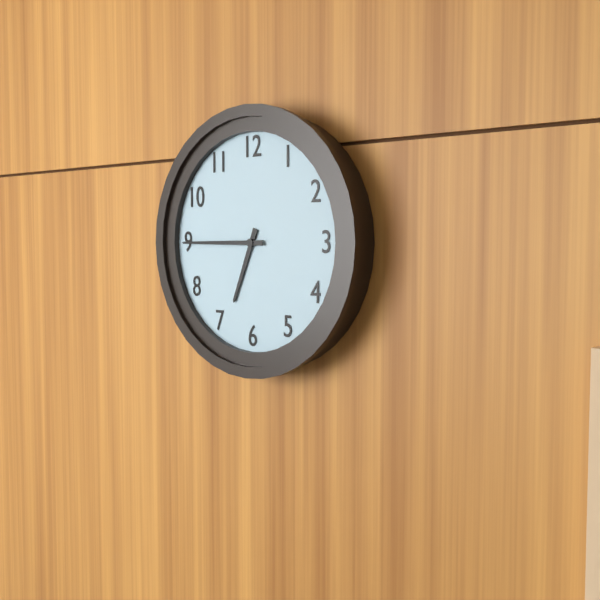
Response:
6h45
